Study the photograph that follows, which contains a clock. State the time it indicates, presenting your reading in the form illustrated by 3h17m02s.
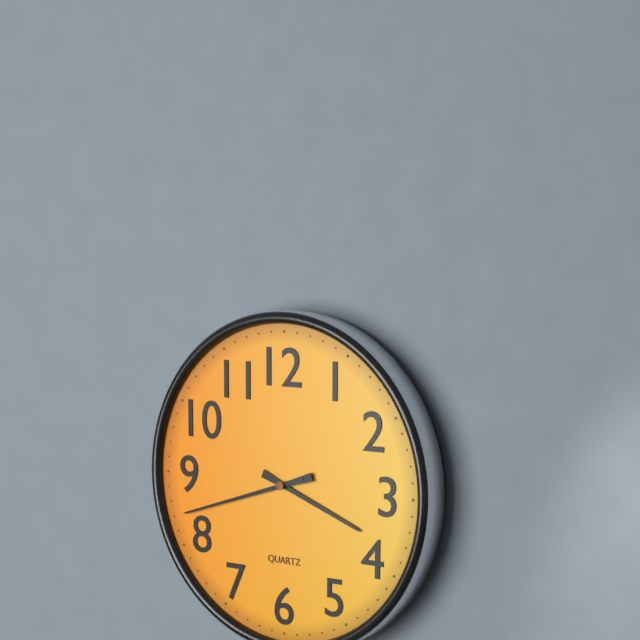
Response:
3h42m42s
